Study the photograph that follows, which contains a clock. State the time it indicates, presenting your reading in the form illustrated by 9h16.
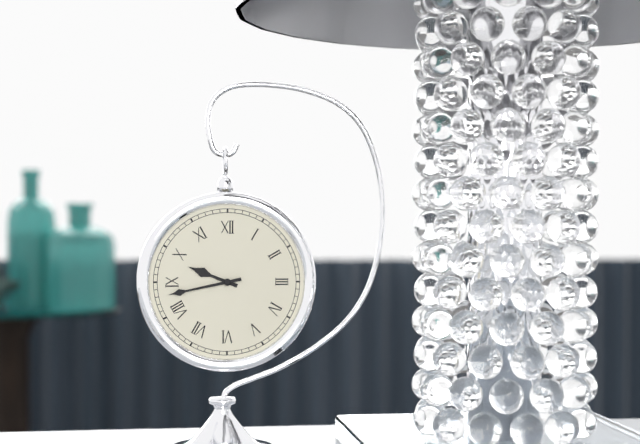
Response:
9h43
